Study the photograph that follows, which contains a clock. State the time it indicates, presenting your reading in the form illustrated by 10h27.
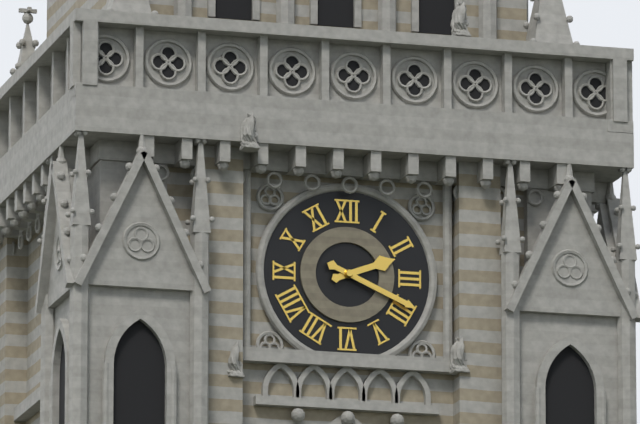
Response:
2h19
